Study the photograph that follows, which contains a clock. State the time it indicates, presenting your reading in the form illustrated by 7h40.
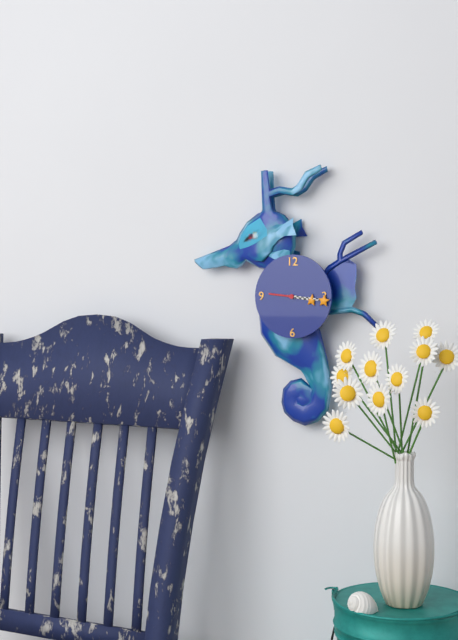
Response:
3h16
